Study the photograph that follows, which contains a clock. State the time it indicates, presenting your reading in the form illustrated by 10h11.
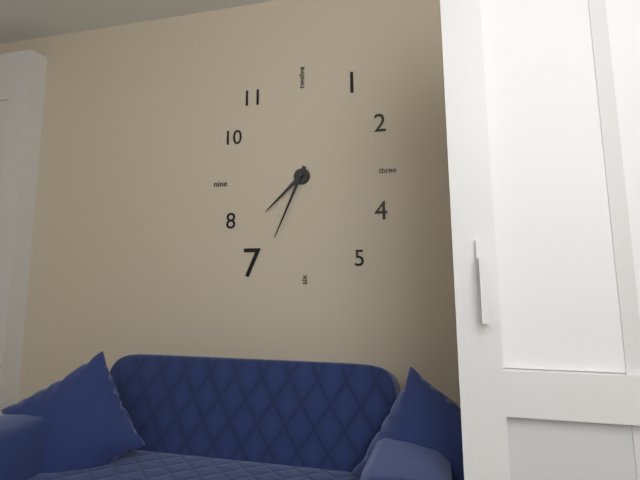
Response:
7h34
